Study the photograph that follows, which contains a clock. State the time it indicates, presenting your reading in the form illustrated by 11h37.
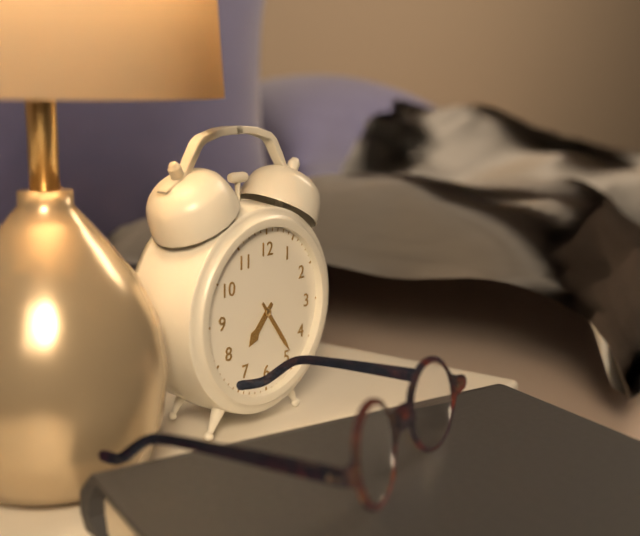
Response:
7h24
